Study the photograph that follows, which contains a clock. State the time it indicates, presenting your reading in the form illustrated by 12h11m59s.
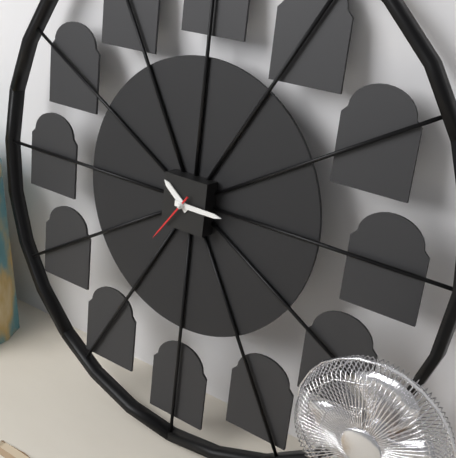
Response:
10h15m36s
